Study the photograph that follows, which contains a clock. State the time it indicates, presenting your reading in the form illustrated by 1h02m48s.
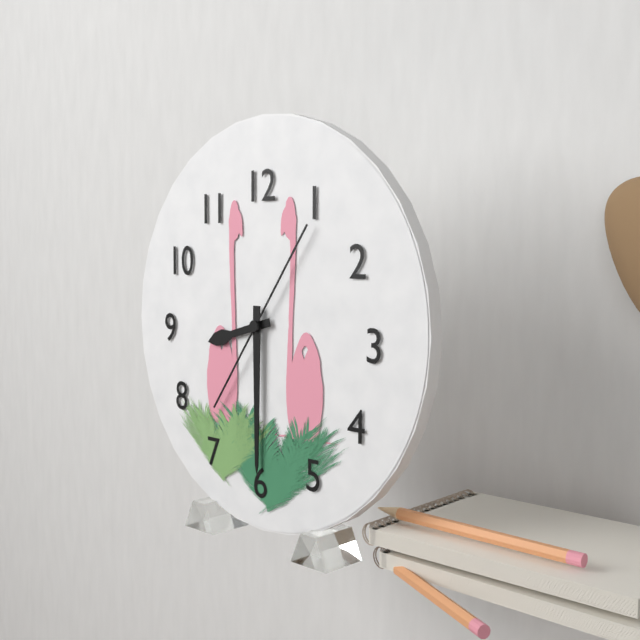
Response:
8h30m06s
